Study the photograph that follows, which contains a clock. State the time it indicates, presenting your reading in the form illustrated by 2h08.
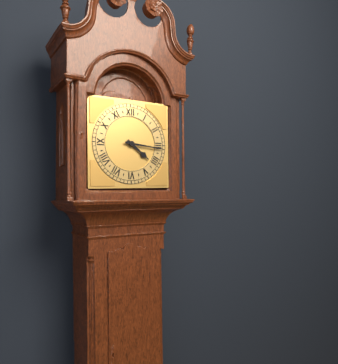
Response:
4h16
